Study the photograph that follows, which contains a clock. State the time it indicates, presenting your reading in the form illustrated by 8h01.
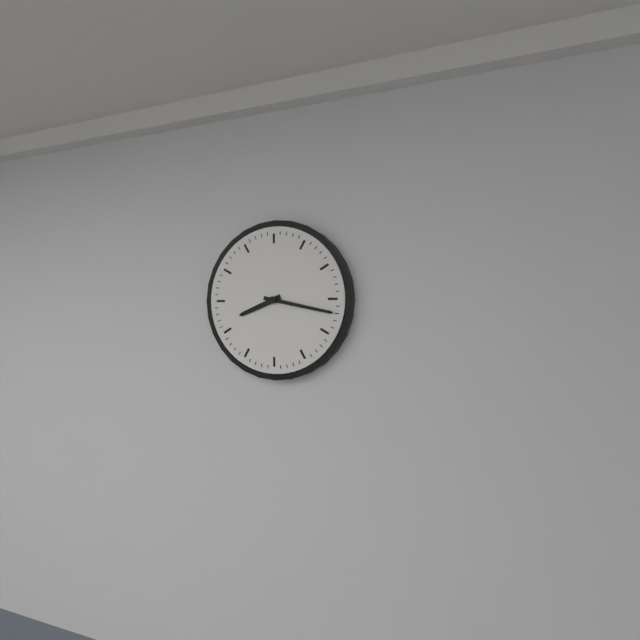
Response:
8h17
